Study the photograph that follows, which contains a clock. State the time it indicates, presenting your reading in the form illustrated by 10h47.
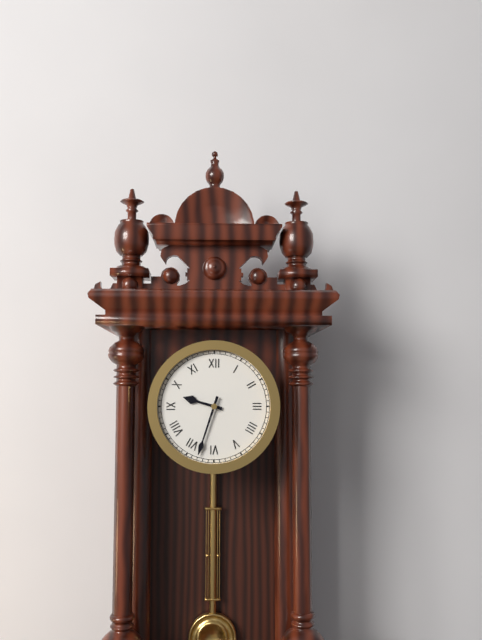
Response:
9h33
